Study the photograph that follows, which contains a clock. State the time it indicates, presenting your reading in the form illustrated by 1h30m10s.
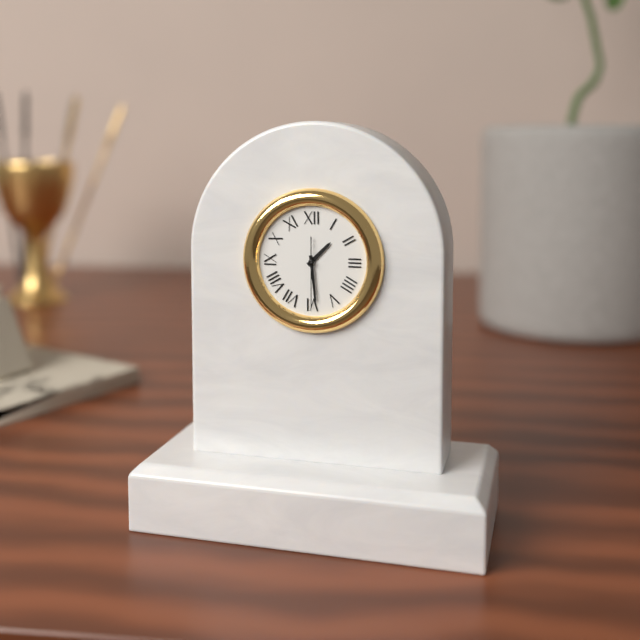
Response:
1h29m30s
